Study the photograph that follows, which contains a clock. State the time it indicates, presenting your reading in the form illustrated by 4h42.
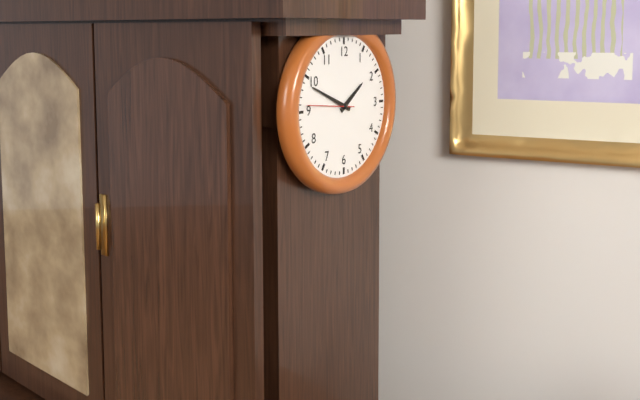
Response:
1h49
